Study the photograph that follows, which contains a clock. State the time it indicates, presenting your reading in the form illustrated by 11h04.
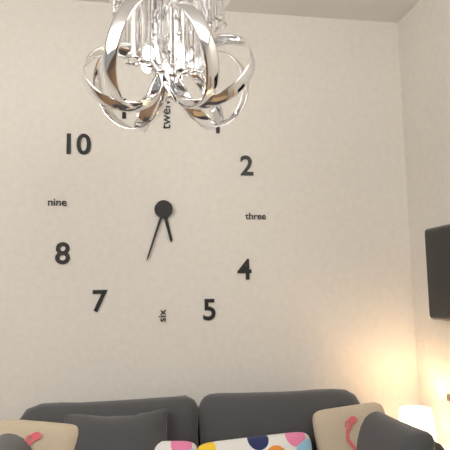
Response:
5h33
